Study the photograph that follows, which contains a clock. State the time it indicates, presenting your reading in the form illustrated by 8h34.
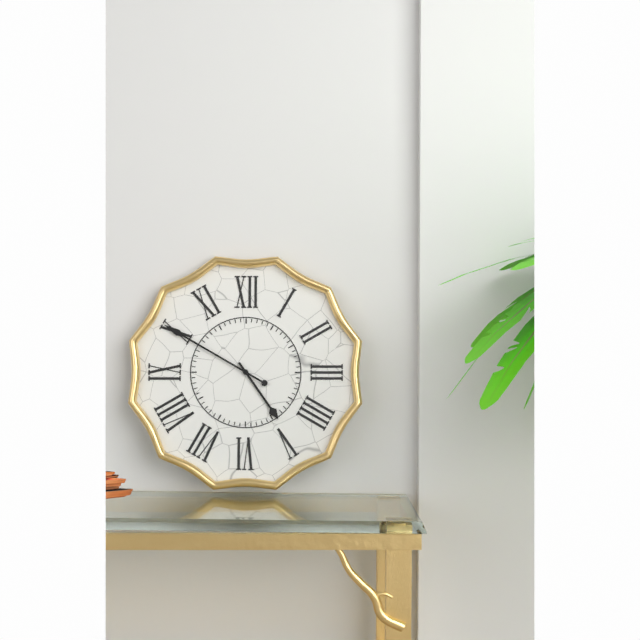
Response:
4h50
